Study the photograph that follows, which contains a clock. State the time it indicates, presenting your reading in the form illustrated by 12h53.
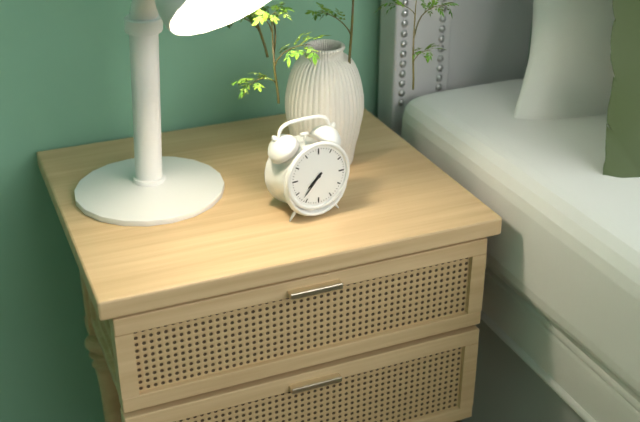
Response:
7h37
